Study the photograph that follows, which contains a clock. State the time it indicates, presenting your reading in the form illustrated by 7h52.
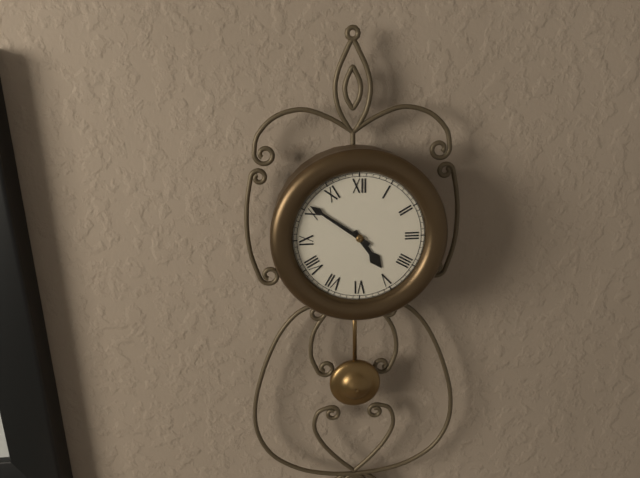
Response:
4h51
